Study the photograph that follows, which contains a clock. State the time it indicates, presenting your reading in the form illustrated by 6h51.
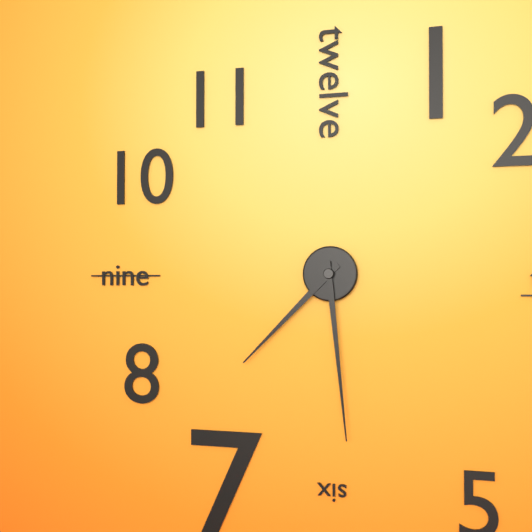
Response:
7h29
